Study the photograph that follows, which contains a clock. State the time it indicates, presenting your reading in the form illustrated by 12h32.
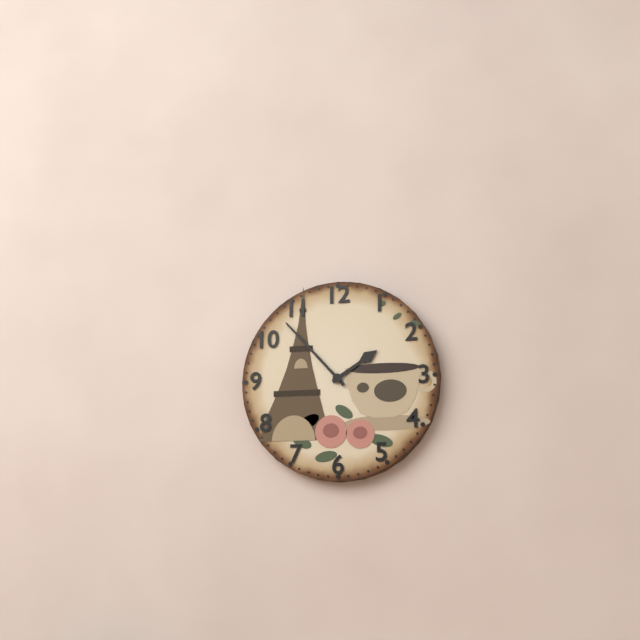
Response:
1h53
